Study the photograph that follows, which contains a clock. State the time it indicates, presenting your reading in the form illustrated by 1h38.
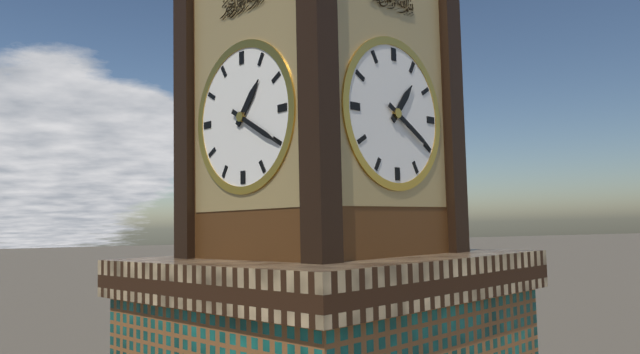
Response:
1h20
